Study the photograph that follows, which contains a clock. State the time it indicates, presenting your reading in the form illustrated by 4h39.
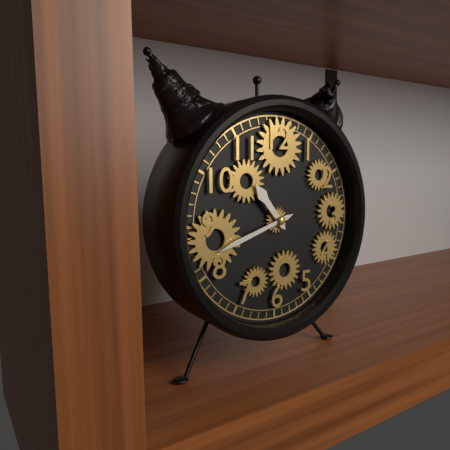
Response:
10h42
